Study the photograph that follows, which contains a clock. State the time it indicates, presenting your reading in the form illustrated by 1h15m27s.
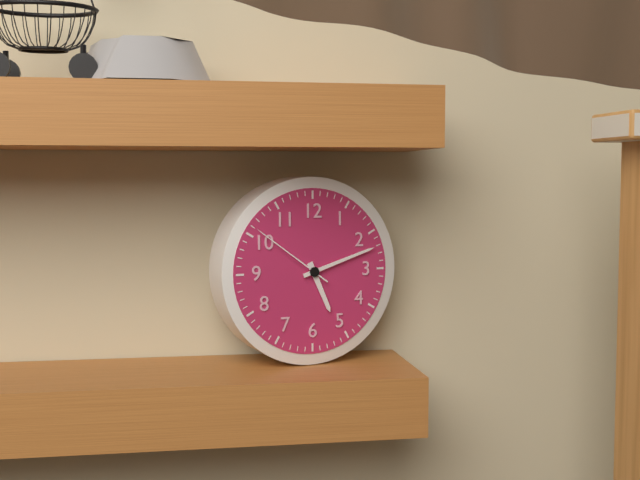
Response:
5h12m51s
